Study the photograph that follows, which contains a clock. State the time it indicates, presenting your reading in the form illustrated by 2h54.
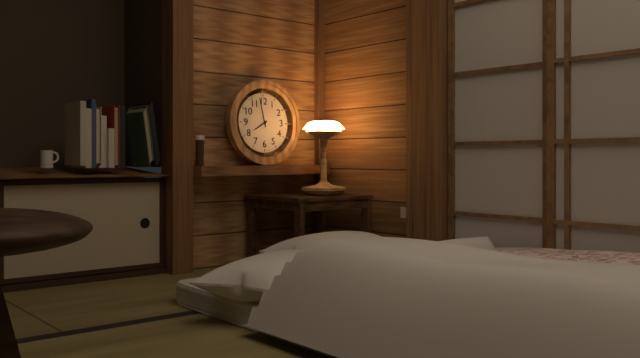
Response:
7h58
